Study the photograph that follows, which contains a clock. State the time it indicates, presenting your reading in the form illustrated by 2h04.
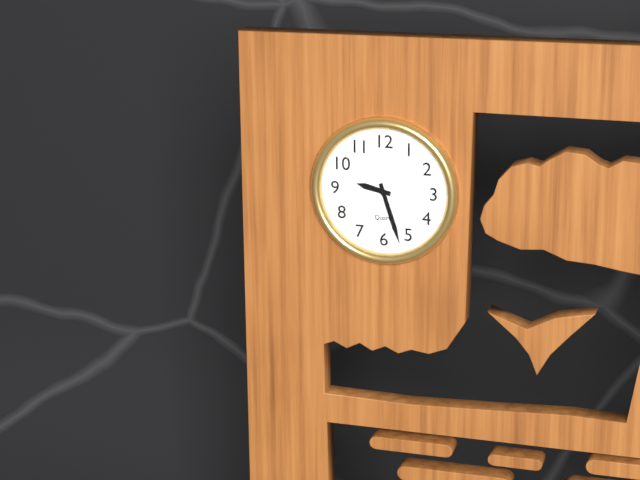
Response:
9h27
